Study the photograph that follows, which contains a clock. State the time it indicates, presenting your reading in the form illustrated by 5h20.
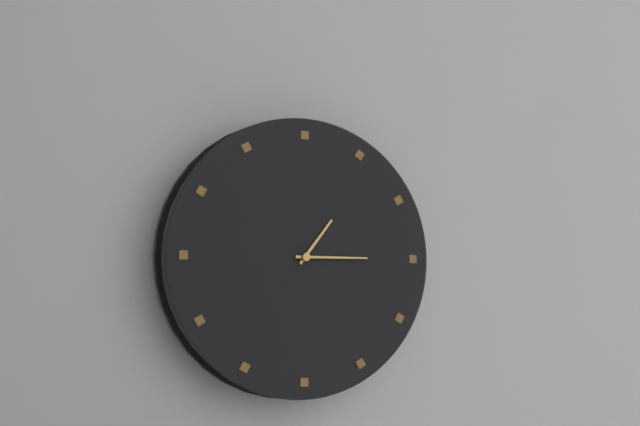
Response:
1h15
